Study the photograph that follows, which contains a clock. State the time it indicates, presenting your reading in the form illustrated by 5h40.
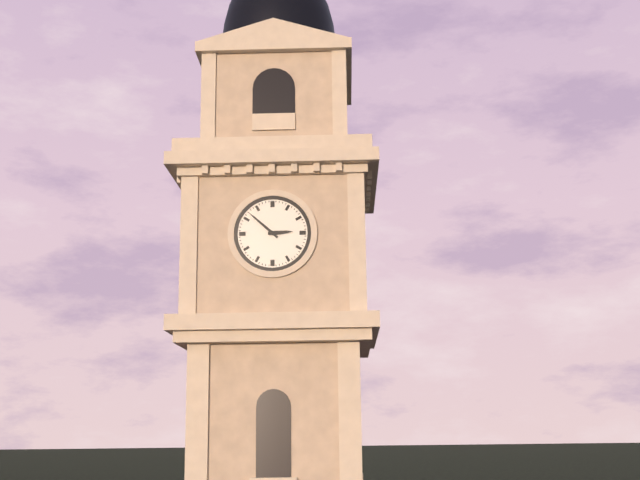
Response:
2h52
